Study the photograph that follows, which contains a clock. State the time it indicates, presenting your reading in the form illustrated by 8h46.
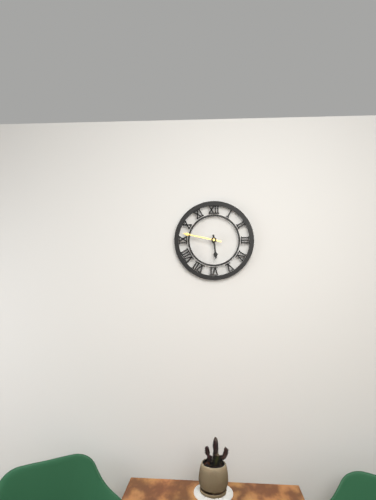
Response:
5h47
